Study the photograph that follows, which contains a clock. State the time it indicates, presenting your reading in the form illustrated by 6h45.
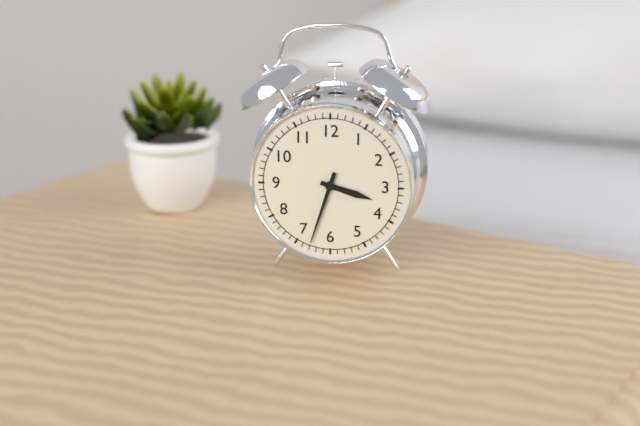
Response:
3h33
